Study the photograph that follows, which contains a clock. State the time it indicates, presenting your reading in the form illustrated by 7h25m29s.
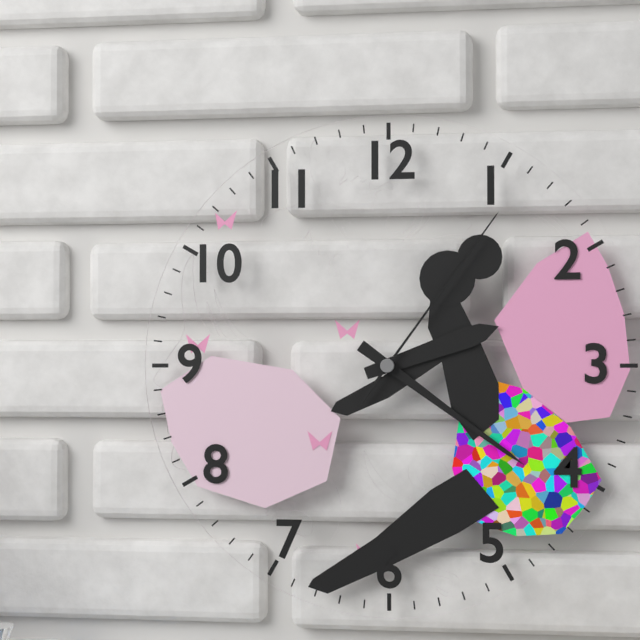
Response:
2h21m06s
